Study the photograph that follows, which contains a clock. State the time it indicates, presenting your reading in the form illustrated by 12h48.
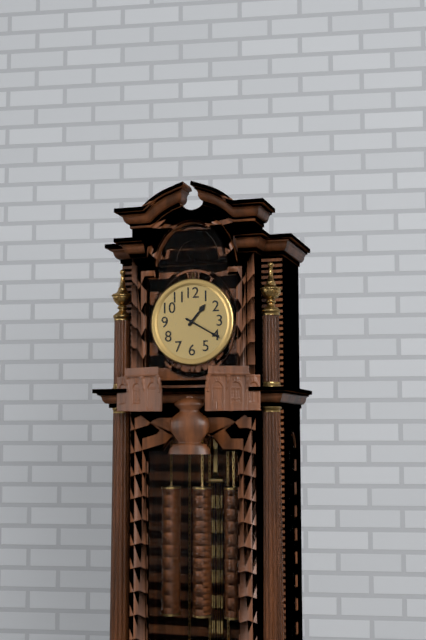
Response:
1h20
